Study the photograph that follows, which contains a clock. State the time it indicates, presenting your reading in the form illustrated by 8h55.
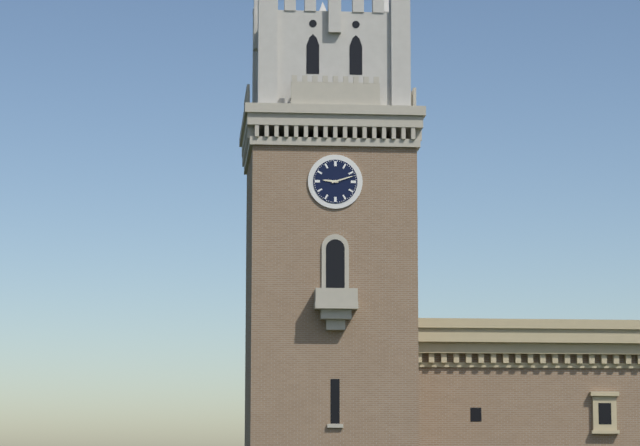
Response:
9h12
